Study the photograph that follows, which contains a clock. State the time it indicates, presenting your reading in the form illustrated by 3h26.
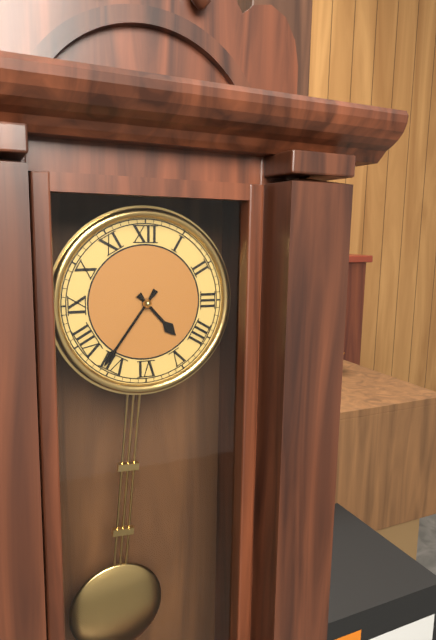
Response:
4h36
